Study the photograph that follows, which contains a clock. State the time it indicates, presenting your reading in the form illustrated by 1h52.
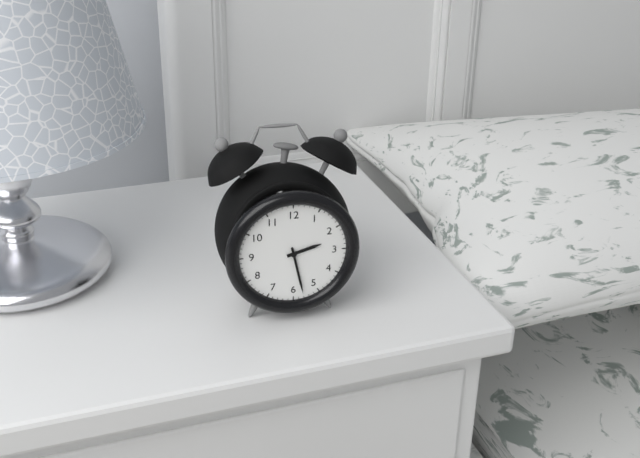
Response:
2h28
